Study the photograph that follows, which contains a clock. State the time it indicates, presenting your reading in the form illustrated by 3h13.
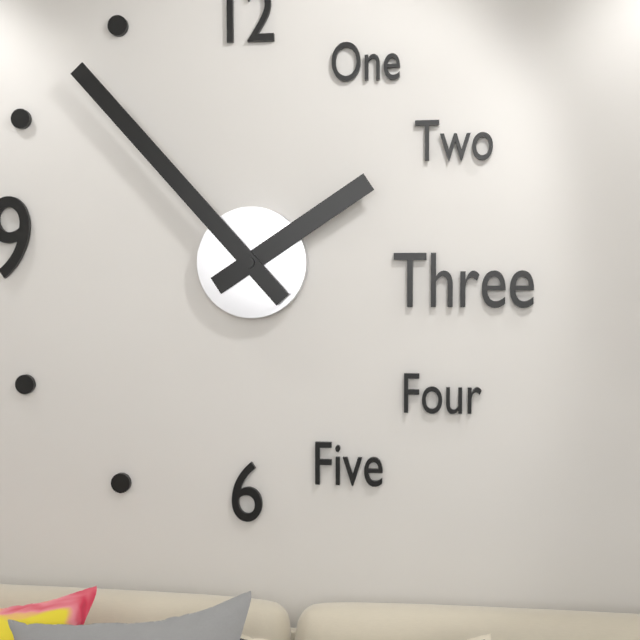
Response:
1h53
